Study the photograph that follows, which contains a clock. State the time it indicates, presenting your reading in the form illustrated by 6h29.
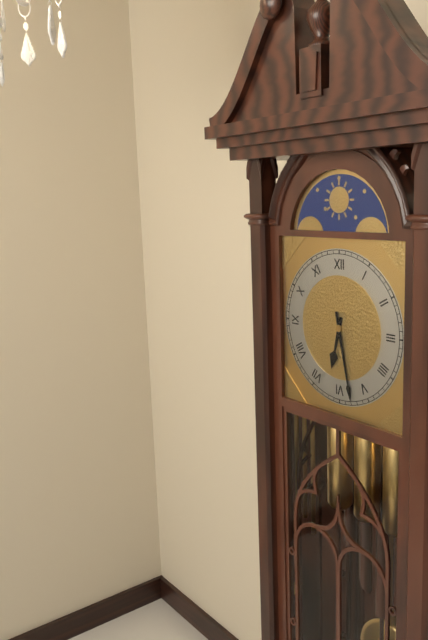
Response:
6h28
